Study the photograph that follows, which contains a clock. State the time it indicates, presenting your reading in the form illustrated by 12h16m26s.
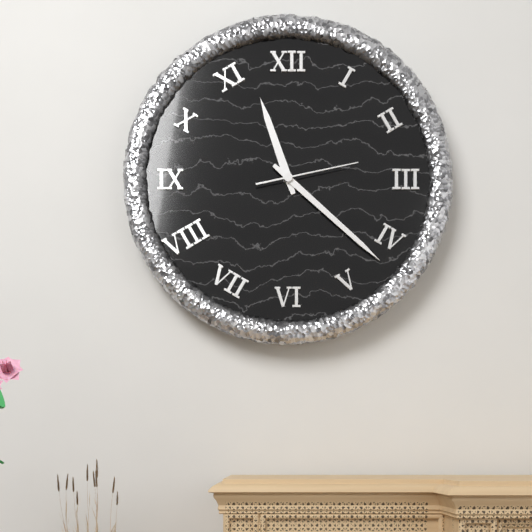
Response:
11h22m13s
